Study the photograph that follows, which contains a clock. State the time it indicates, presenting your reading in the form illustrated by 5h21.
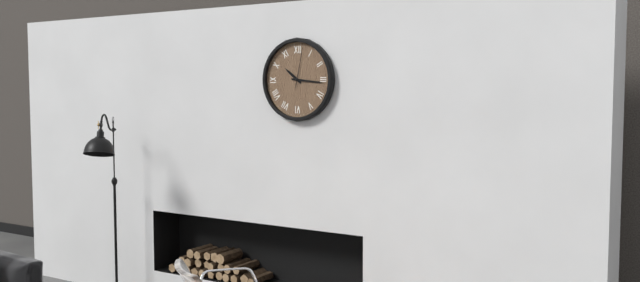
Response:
10h16
